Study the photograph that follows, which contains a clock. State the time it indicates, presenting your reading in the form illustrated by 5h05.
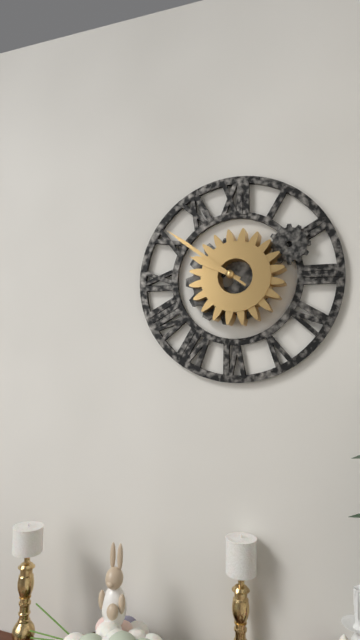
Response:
9h51
